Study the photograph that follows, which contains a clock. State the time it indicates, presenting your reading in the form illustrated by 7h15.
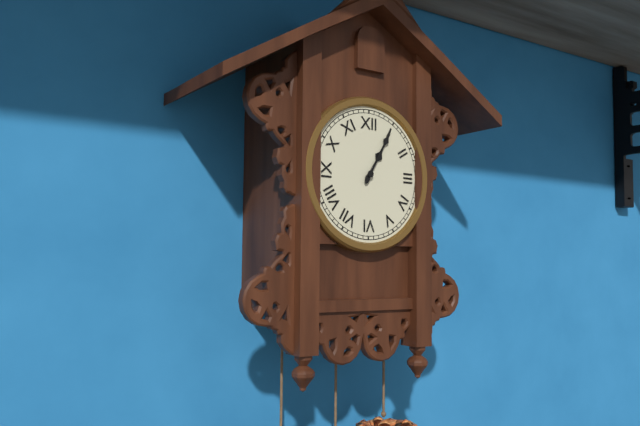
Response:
1h05
